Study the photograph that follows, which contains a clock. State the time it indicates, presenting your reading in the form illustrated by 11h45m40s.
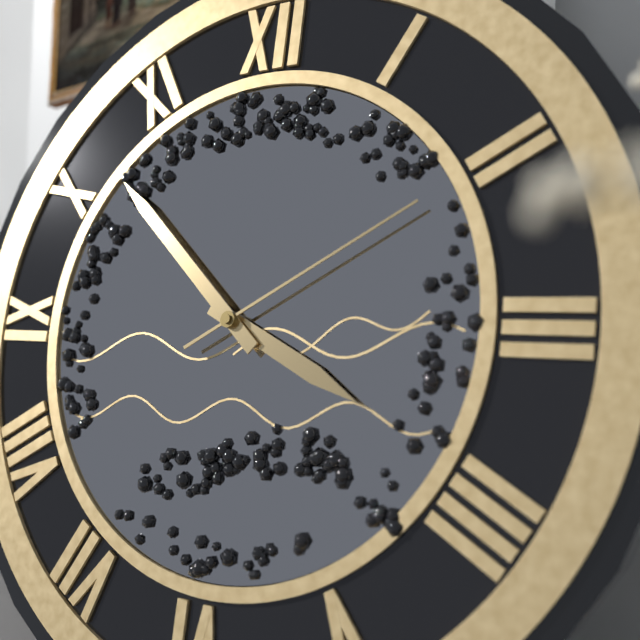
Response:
3h52m10s
